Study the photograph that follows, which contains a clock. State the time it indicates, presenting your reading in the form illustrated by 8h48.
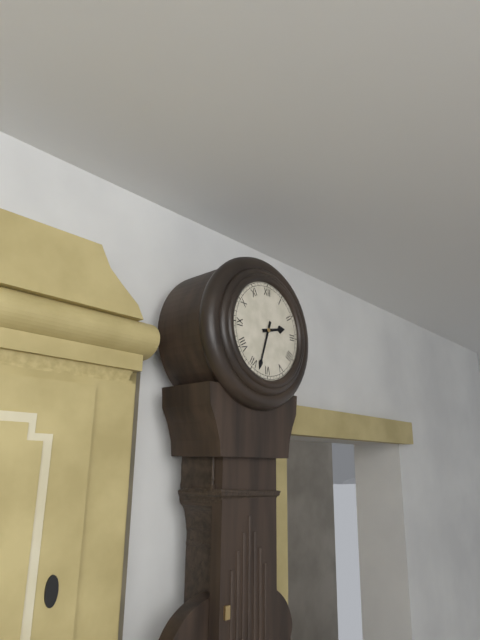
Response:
2h33
